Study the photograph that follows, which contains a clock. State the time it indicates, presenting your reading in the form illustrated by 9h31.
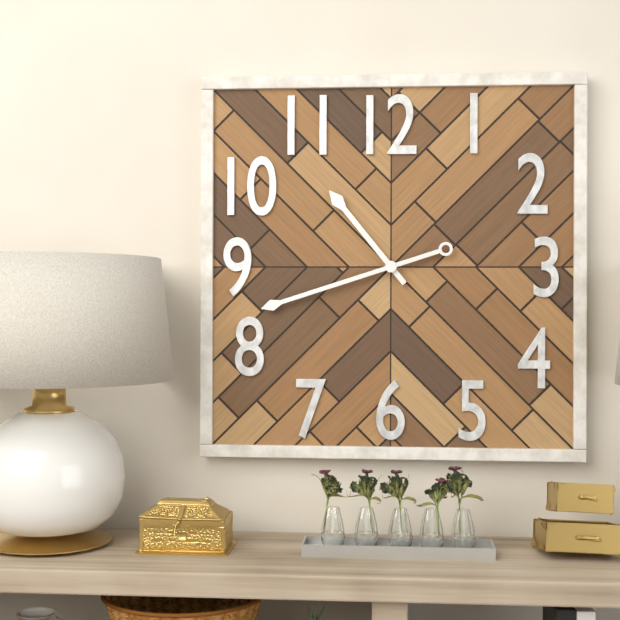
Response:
10h42
